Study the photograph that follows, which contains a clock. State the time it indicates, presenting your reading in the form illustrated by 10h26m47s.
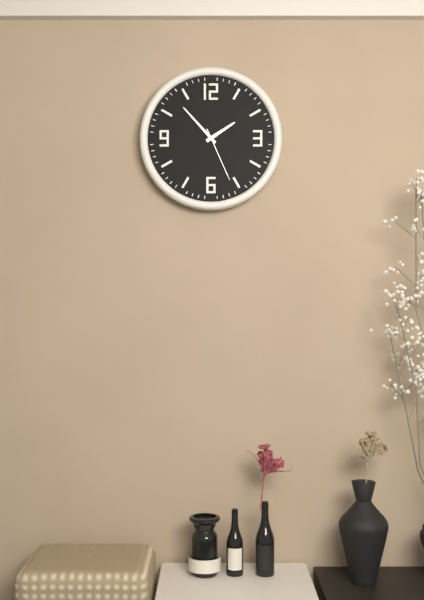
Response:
1h53m26s
